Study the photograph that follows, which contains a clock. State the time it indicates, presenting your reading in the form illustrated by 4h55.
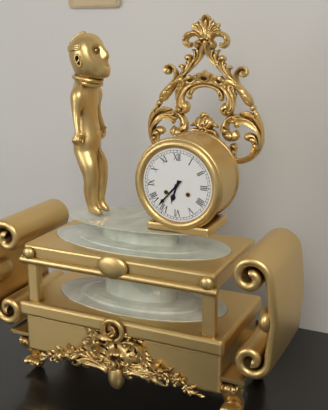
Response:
6h37
